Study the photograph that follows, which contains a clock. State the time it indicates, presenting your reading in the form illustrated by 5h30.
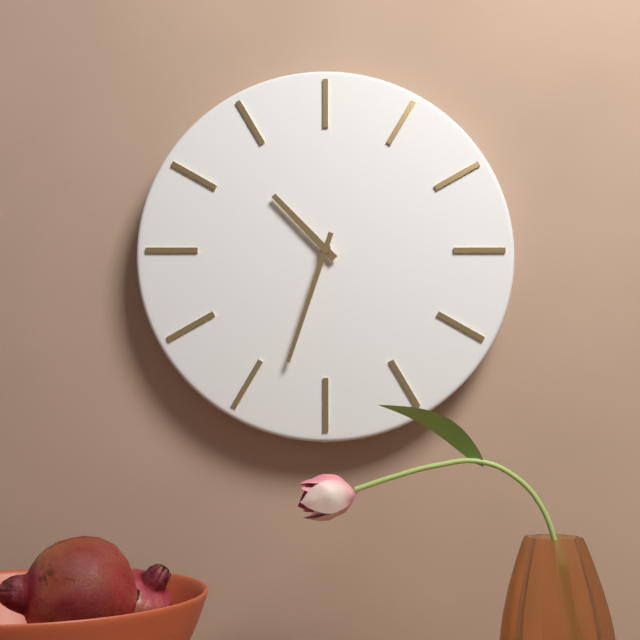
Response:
10h33
